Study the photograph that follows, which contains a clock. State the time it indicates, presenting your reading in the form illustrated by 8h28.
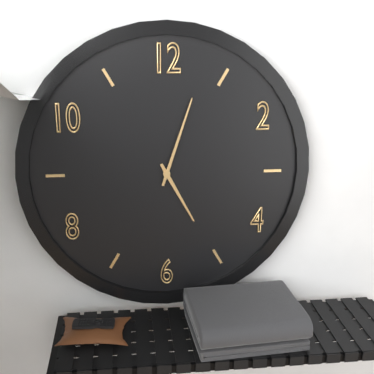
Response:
5h03
